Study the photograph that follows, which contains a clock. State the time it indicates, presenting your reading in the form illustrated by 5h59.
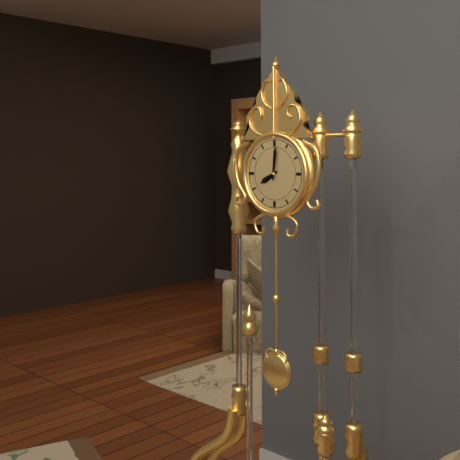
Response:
8h01
